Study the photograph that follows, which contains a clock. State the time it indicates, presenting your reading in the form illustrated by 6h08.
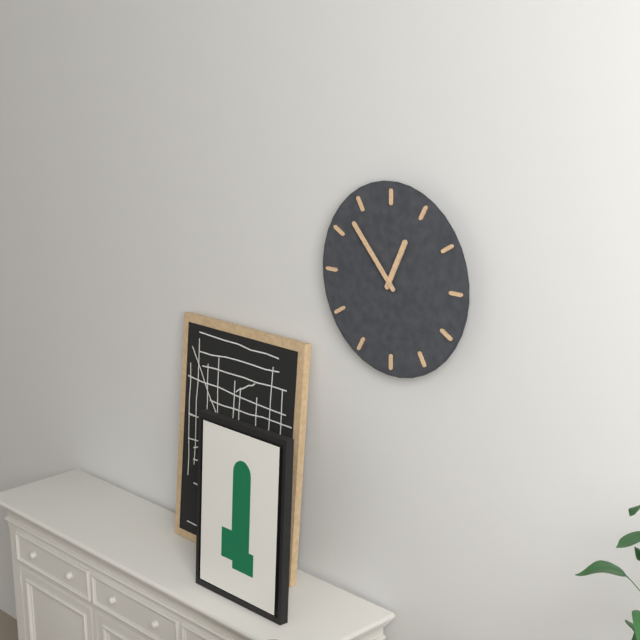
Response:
12h53
